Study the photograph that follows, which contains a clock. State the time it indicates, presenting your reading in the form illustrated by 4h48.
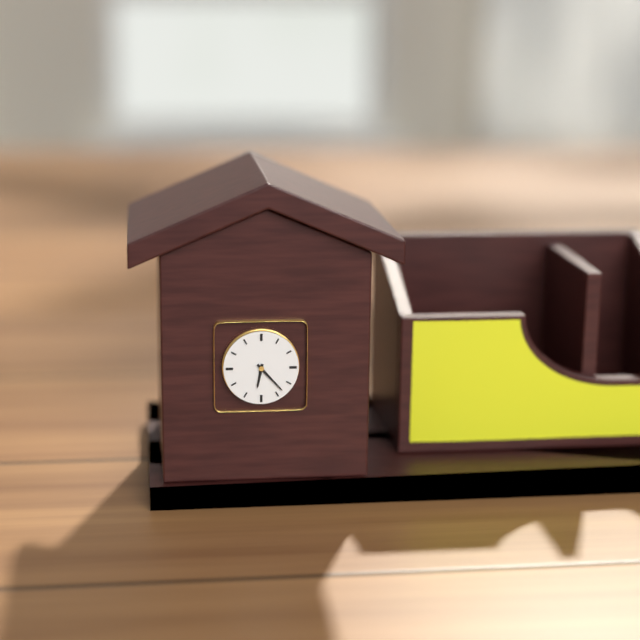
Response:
6h23
